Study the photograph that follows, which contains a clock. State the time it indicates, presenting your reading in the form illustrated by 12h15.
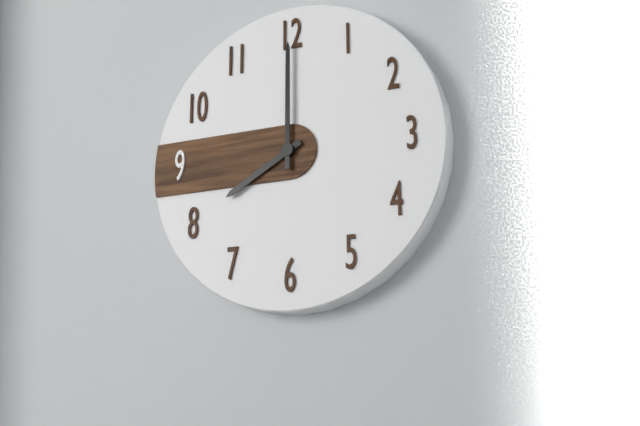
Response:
8h00
